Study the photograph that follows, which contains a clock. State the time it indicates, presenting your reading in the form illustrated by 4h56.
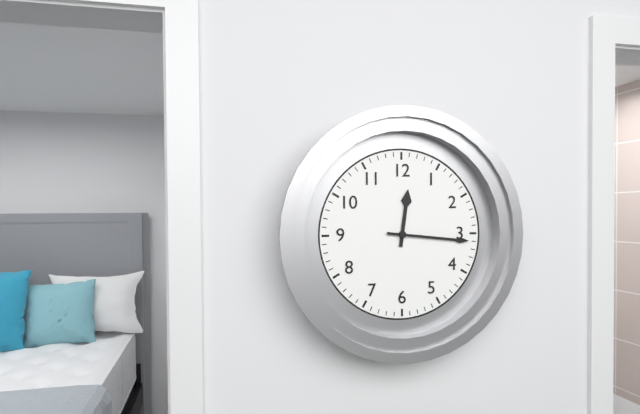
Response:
12h16
